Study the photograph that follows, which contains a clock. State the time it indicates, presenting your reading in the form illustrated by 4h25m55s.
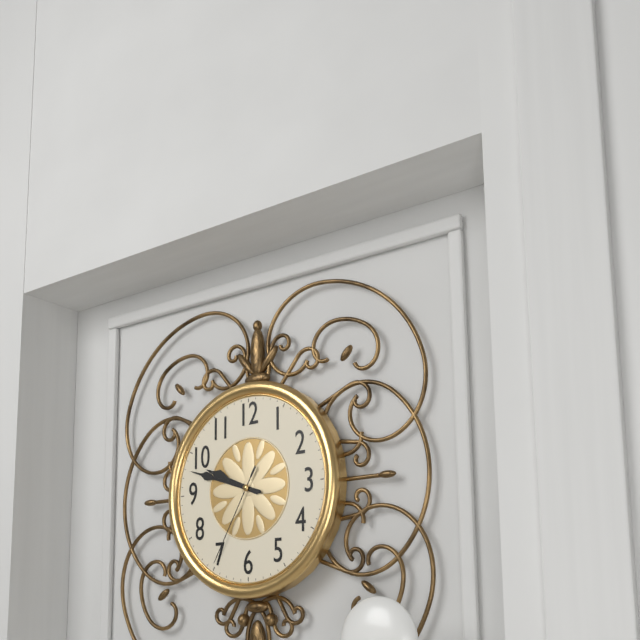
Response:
9h48m35s
